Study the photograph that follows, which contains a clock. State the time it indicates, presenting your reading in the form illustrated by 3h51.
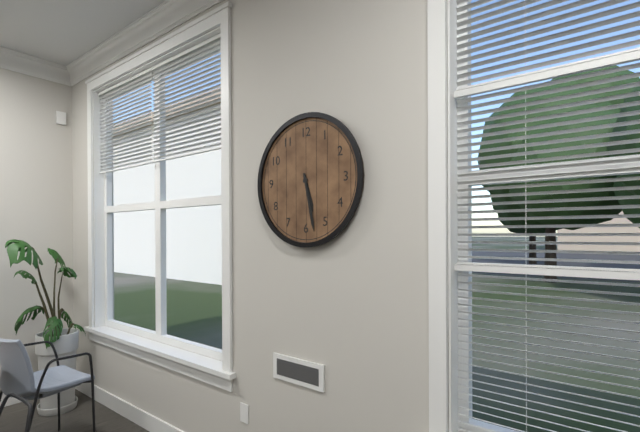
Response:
5h28
